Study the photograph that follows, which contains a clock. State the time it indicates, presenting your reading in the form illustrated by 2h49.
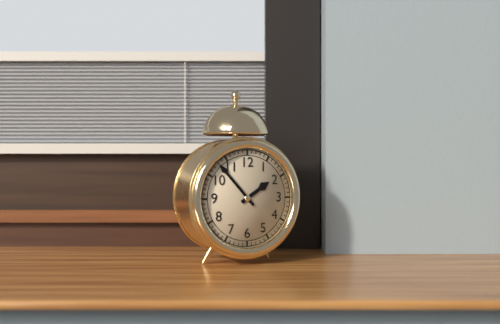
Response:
1h53
